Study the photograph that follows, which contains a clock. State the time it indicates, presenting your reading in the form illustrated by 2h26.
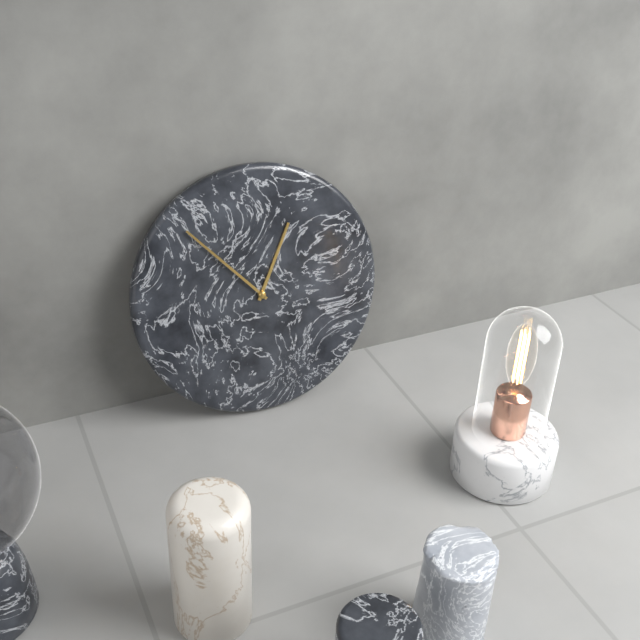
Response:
12h53
